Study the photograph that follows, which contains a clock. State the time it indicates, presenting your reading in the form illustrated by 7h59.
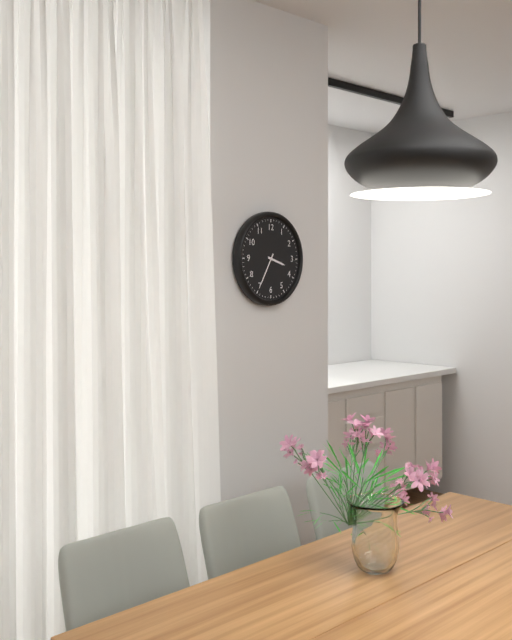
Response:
3h35
